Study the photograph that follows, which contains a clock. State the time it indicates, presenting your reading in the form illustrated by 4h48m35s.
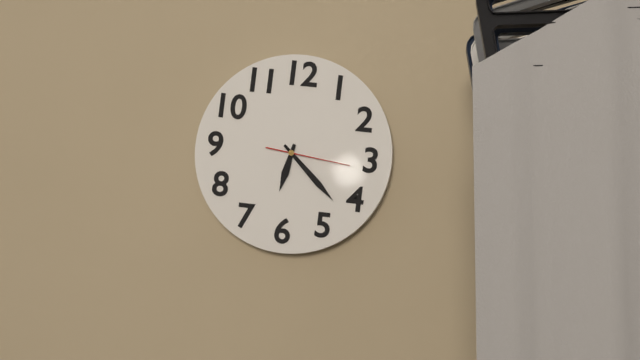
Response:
6h22m16s
